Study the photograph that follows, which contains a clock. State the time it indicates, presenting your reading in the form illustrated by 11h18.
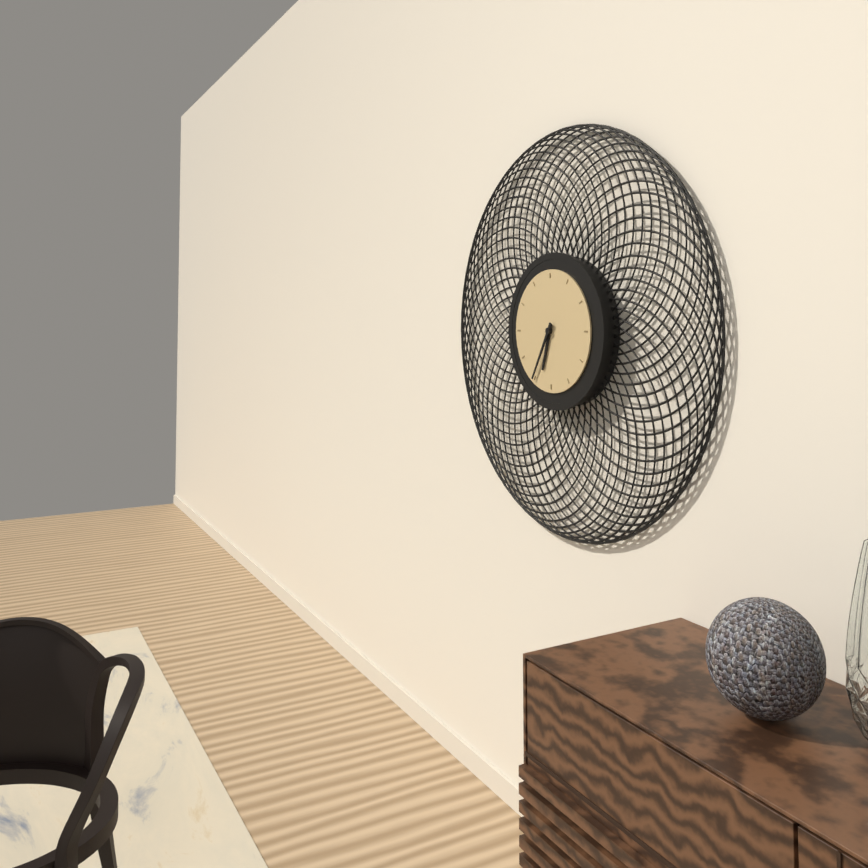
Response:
6h35
